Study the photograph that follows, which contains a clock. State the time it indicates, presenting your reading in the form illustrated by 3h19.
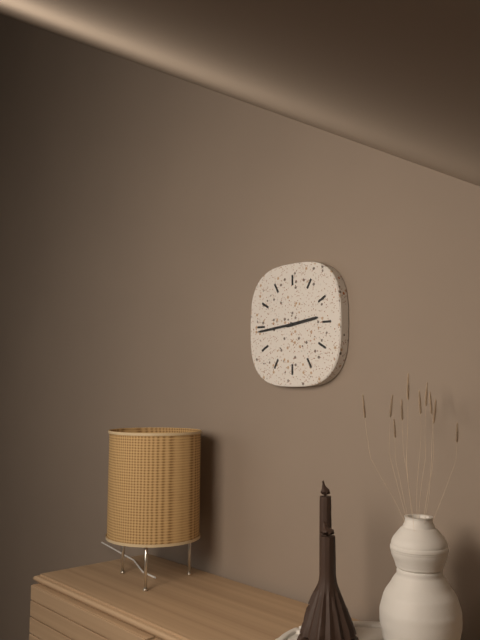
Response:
2h44
